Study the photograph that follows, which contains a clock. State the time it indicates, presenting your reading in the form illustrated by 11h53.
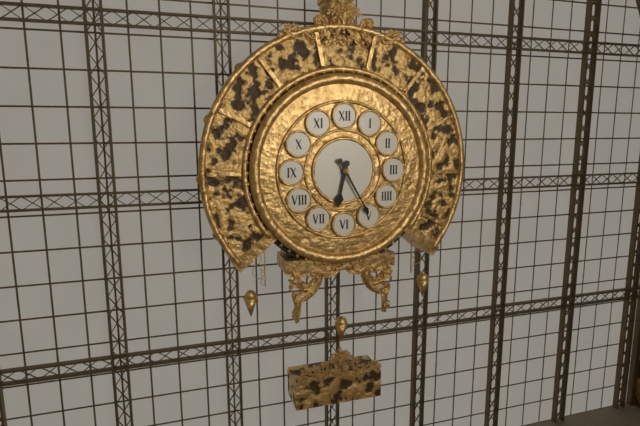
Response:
6h25
